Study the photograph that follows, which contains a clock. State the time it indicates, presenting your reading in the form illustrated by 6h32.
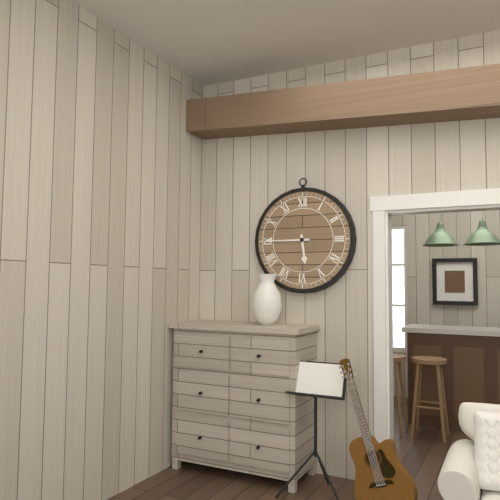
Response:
5h45
